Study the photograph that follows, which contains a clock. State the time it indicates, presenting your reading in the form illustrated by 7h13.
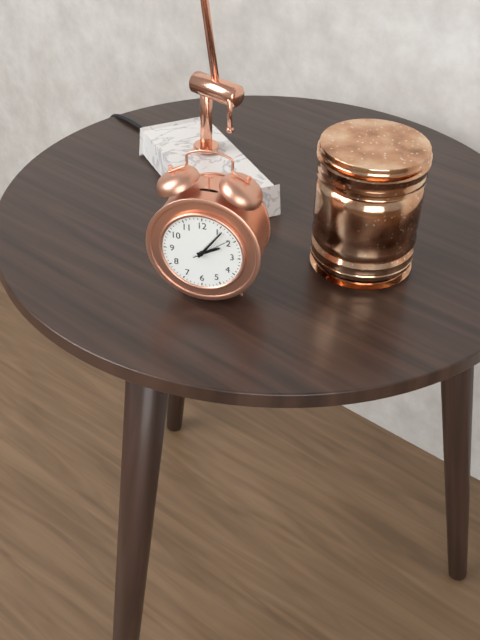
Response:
2h06
